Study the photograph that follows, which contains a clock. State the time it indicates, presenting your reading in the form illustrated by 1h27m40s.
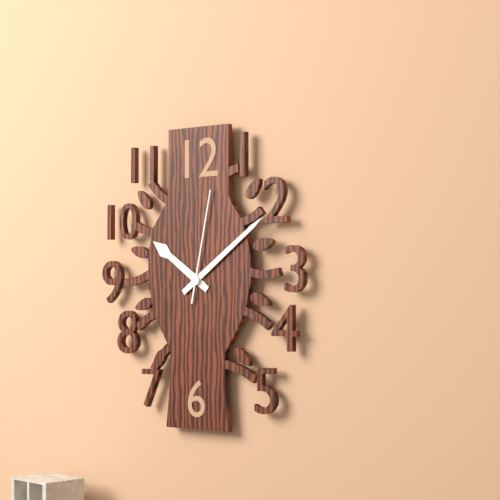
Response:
10h09m02s
